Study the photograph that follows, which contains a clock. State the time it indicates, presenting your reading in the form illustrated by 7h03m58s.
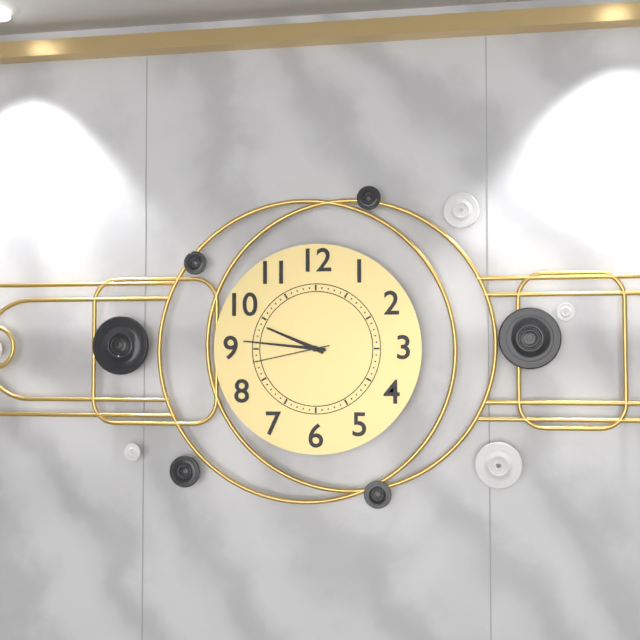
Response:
9h46m43s
